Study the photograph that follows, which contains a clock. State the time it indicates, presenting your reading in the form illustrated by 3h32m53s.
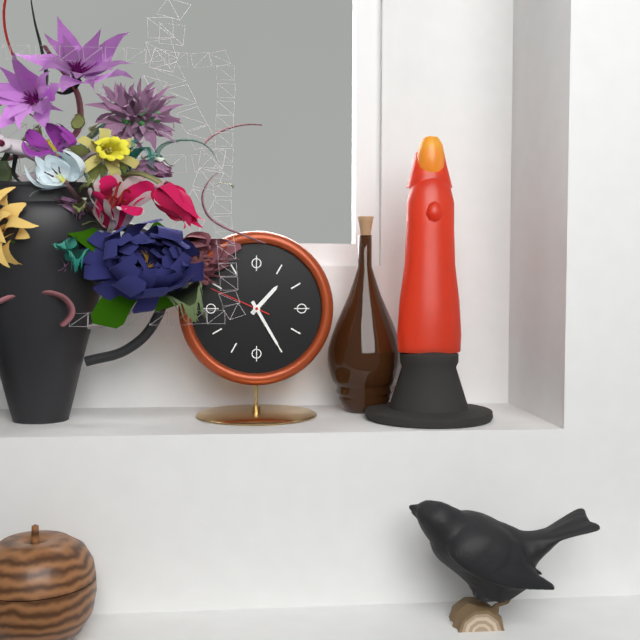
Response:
1h25m49s
